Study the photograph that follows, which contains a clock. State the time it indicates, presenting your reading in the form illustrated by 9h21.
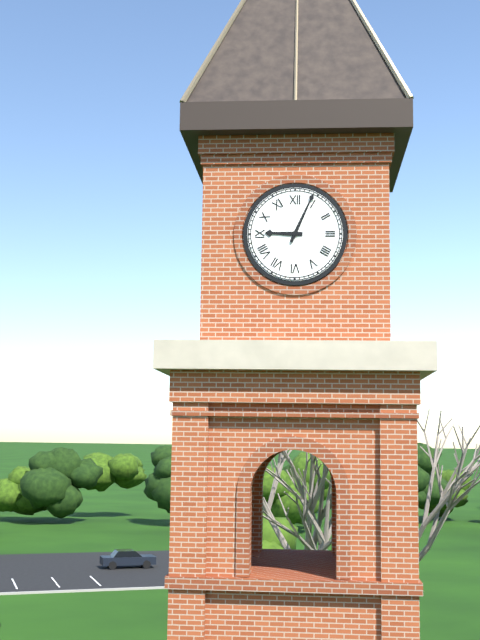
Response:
9h04
